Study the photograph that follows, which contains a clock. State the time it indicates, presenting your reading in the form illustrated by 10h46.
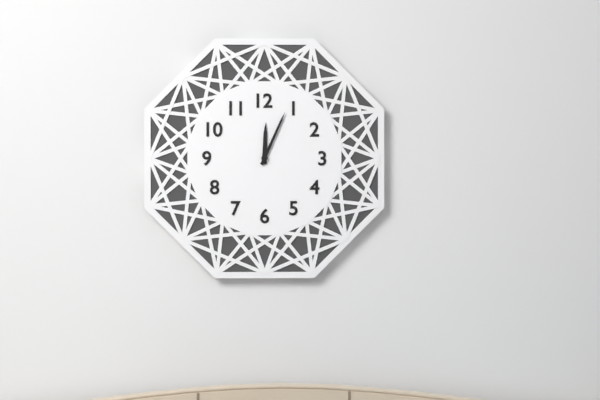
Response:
12h04
